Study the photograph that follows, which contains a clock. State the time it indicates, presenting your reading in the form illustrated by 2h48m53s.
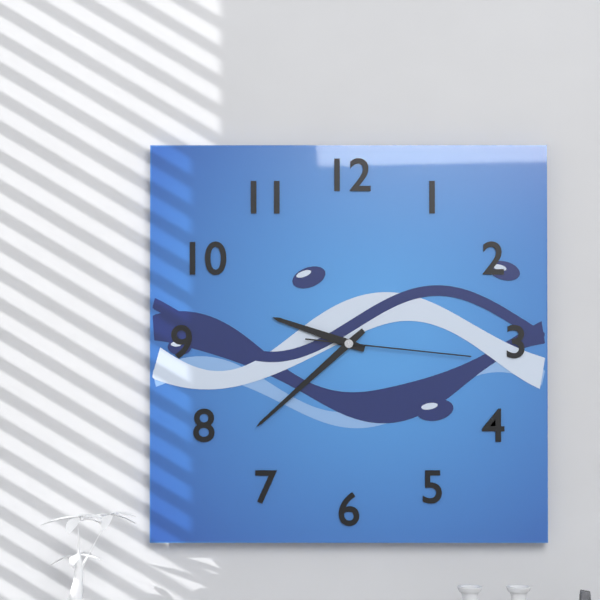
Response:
9h38m16s
